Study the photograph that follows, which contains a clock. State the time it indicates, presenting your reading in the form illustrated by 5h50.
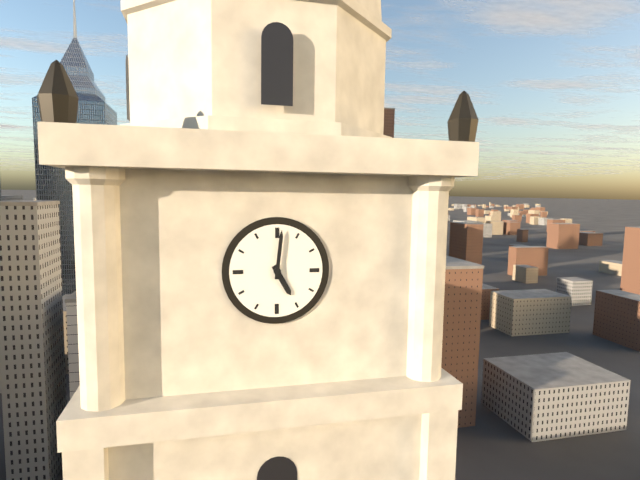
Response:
5h01
